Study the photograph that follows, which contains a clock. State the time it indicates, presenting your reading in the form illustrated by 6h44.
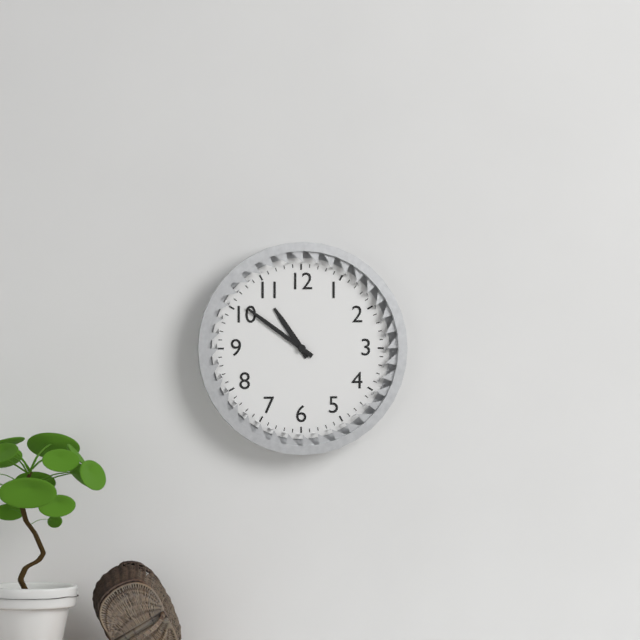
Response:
10h51
